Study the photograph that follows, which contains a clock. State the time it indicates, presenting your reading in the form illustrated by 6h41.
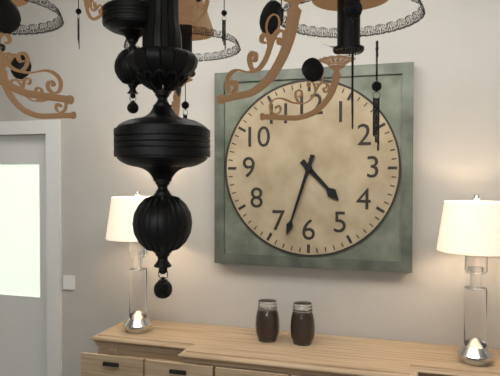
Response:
4h33
